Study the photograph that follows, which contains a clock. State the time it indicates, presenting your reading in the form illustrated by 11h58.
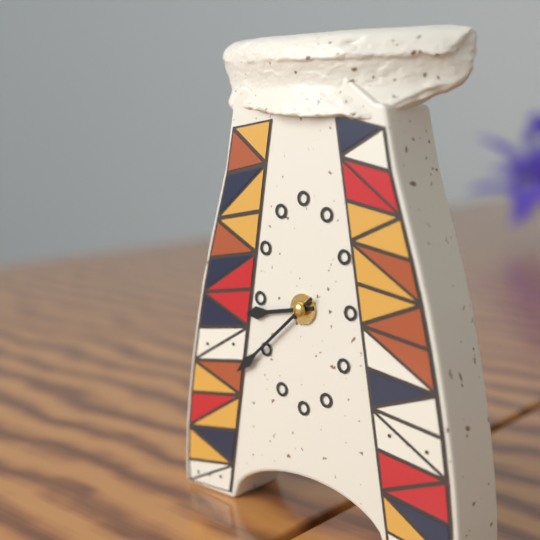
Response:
8h38
